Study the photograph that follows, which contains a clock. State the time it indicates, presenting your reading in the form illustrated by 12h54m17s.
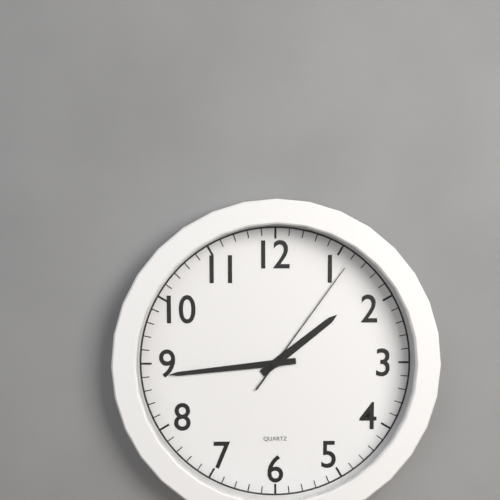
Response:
1h44m06s
